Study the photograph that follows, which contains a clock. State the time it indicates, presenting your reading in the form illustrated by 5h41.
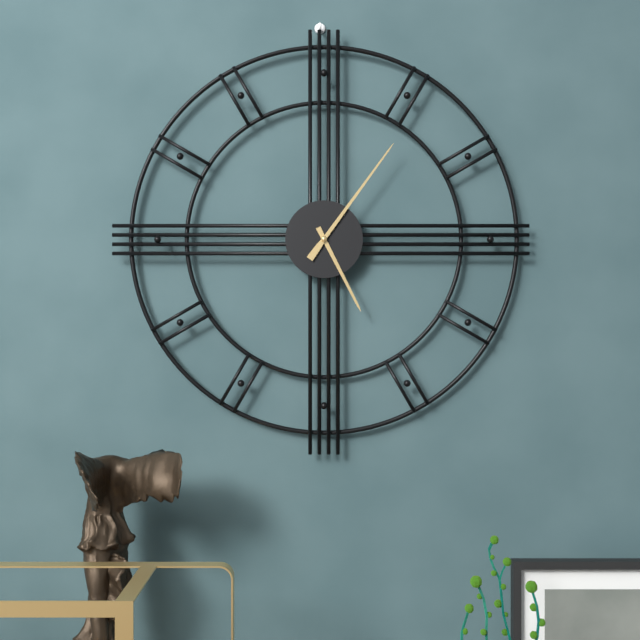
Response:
5h06
